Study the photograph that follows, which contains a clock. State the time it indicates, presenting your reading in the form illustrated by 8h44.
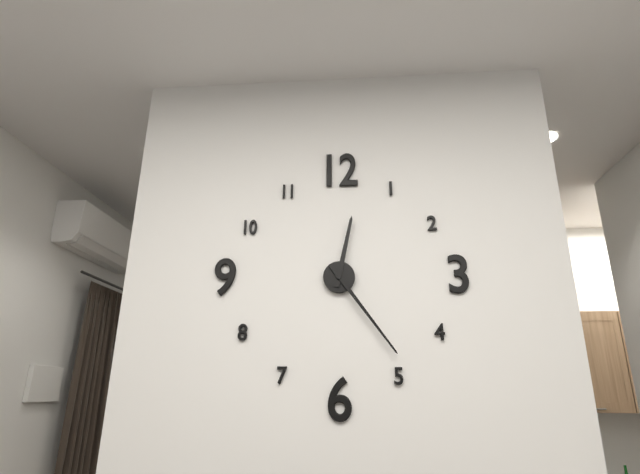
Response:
12h24
